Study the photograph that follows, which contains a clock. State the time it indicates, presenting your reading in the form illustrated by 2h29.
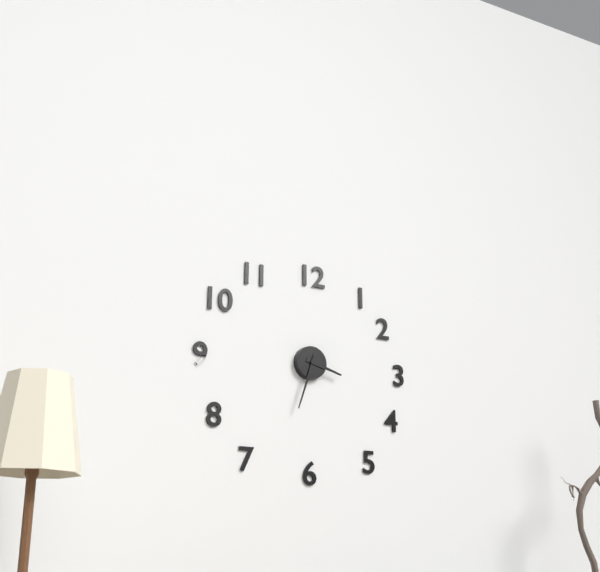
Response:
3h33
